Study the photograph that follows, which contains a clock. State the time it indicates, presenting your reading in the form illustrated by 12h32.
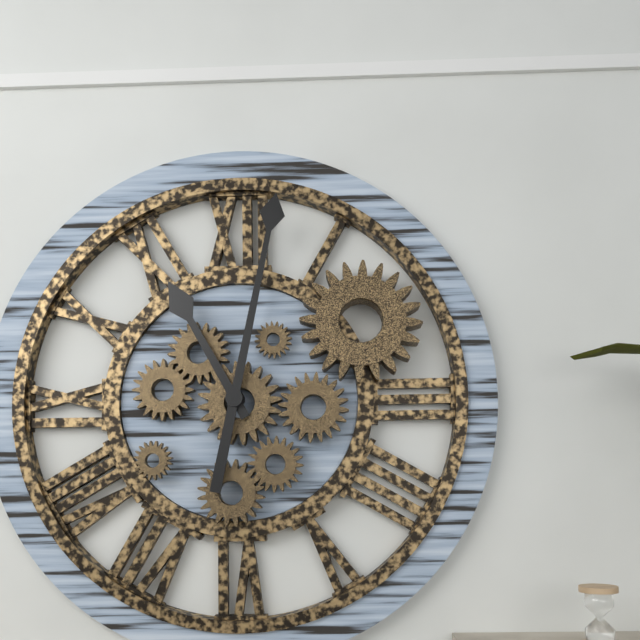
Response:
11h02
